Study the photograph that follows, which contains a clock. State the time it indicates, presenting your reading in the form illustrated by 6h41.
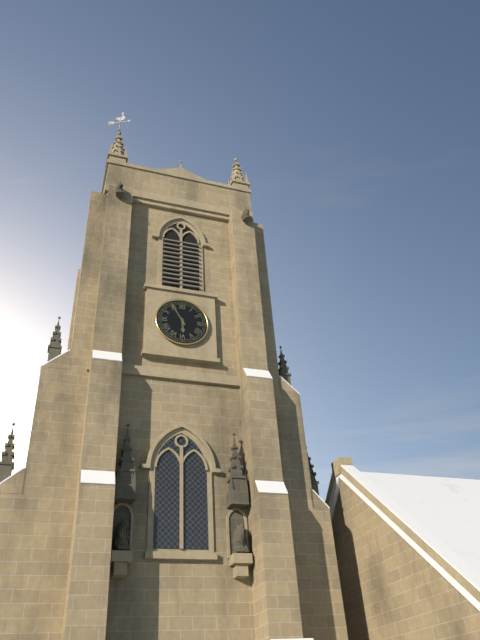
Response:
5h55
